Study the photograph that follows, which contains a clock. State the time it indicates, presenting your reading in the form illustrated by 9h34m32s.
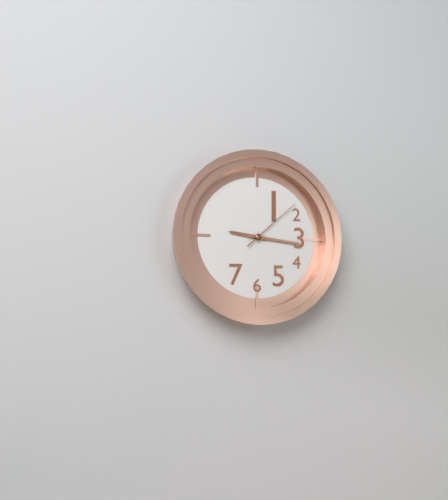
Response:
9h16m08s
